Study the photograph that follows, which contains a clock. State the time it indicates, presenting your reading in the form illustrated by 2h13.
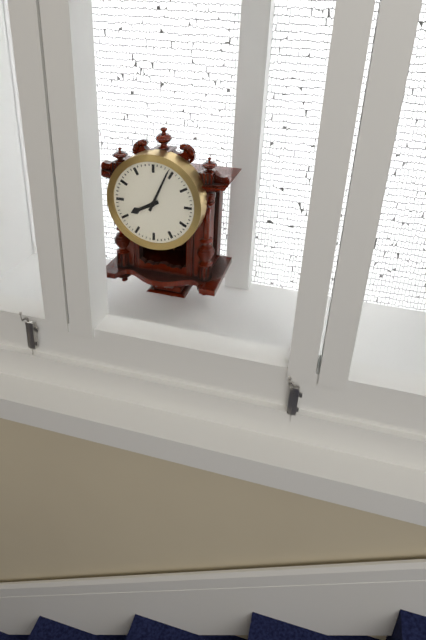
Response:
8h04
